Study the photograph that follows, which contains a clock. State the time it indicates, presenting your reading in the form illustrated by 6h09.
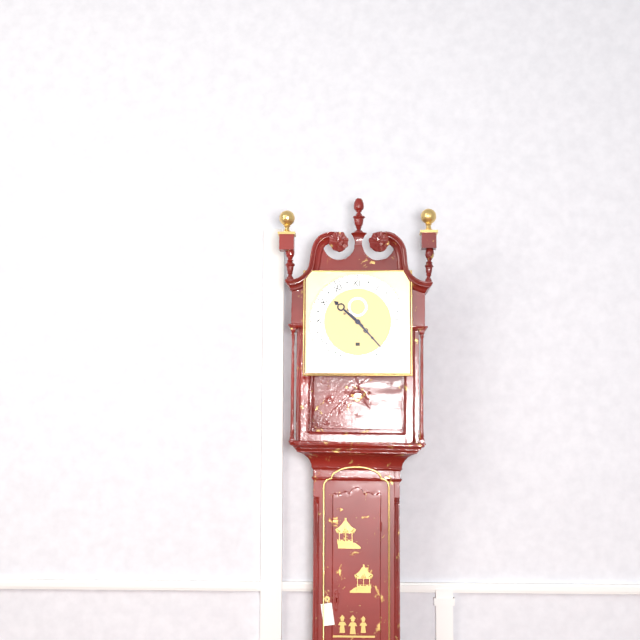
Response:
10h23
